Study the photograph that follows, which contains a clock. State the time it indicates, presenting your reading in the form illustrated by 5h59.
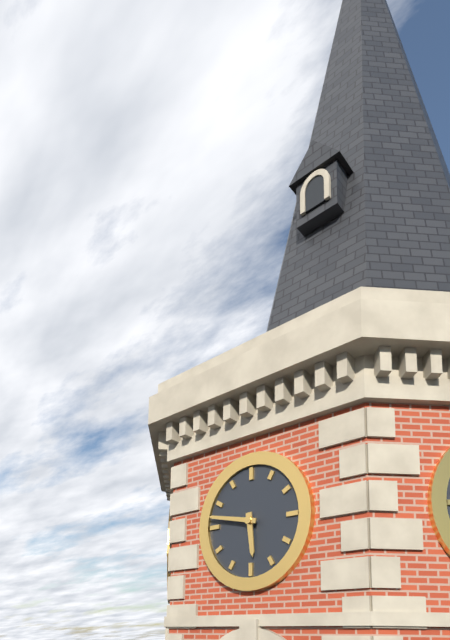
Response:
5h47
